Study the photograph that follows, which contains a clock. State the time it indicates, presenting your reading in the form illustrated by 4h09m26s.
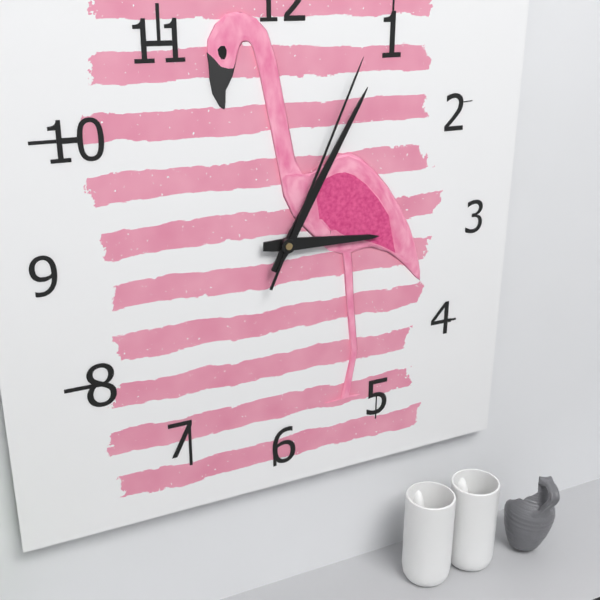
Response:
3h05m04s
